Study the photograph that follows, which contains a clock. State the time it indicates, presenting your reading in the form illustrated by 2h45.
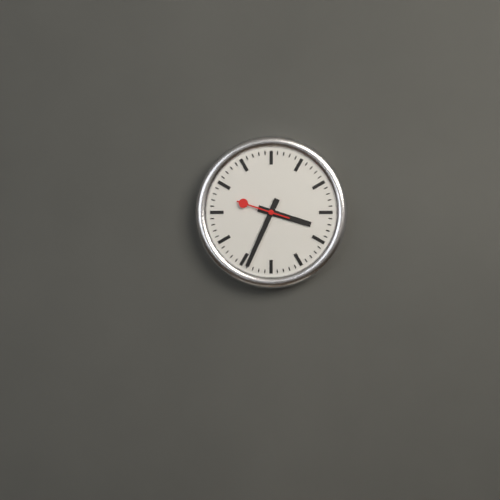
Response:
3h34
